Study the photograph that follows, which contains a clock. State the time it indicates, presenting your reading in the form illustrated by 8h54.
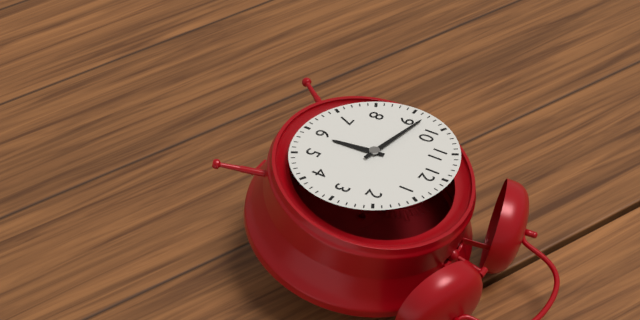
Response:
5h47
